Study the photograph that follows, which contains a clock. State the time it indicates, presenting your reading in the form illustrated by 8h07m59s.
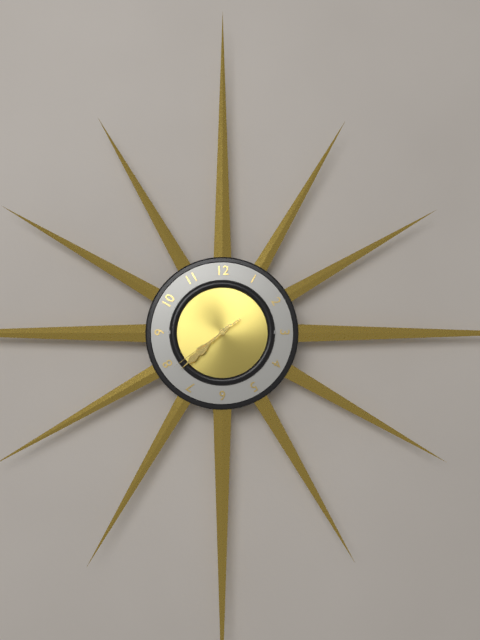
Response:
7h38m39s
